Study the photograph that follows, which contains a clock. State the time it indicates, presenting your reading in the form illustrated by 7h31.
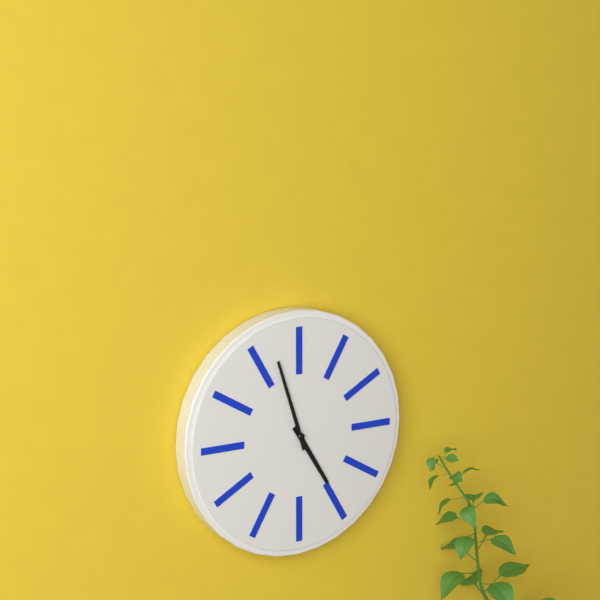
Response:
4h57
